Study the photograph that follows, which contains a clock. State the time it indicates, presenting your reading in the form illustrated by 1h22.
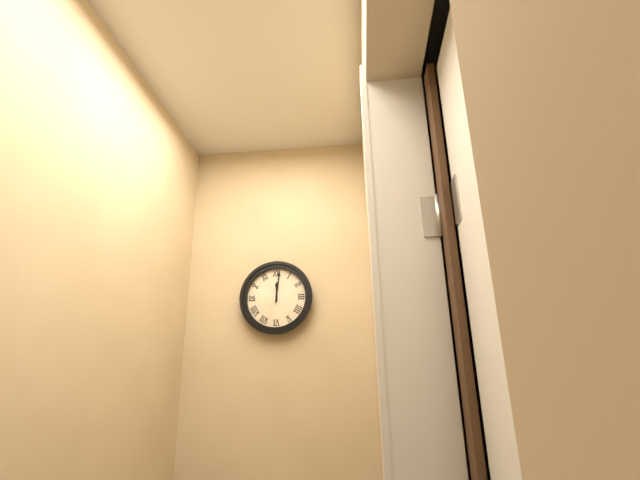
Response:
12h01
